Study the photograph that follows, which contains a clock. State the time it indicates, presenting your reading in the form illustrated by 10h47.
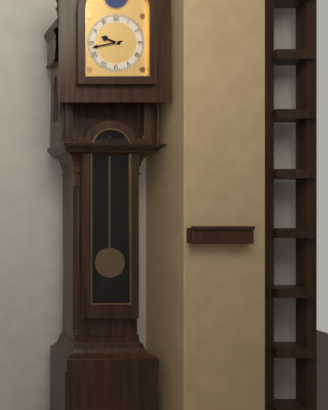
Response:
9h43
